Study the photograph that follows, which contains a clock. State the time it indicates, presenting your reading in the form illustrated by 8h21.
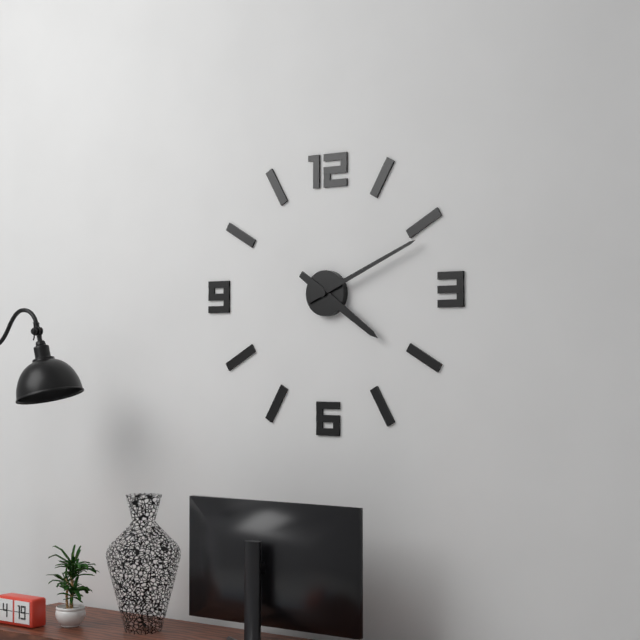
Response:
4h11
